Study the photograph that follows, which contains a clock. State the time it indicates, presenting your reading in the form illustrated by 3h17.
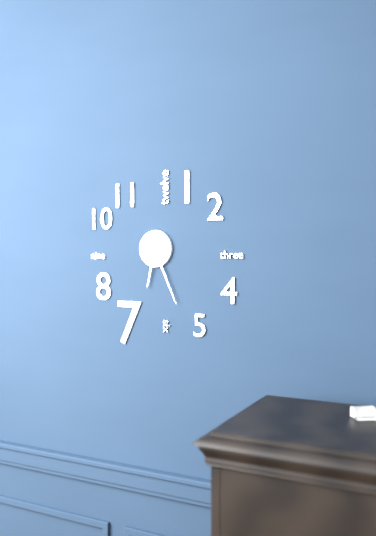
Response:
6h26
